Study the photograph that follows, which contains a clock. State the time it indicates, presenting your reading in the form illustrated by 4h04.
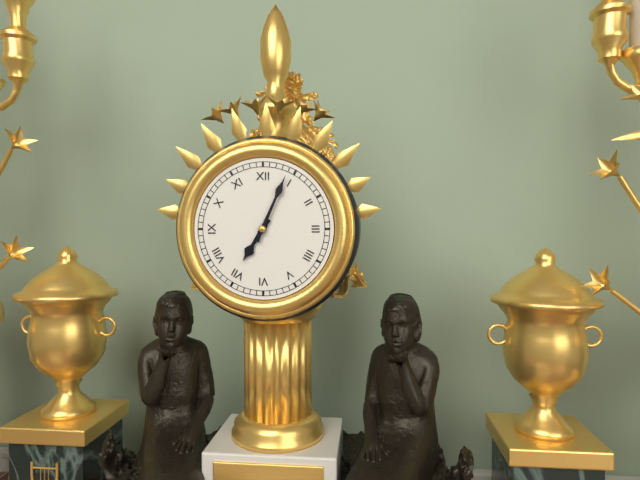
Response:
7h04
